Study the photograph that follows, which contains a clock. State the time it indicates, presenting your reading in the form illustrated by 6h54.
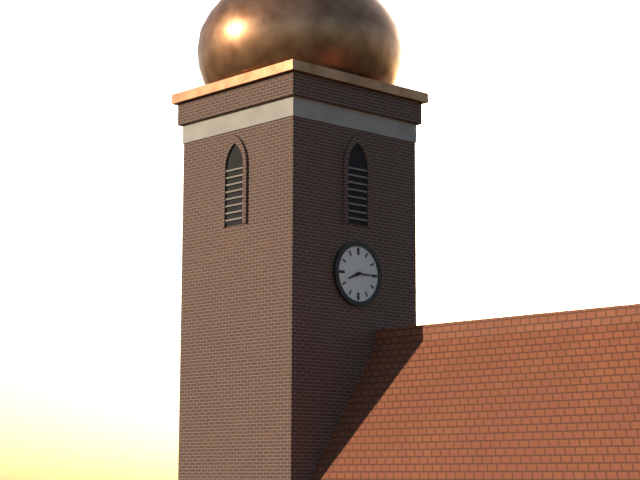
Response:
8h15
